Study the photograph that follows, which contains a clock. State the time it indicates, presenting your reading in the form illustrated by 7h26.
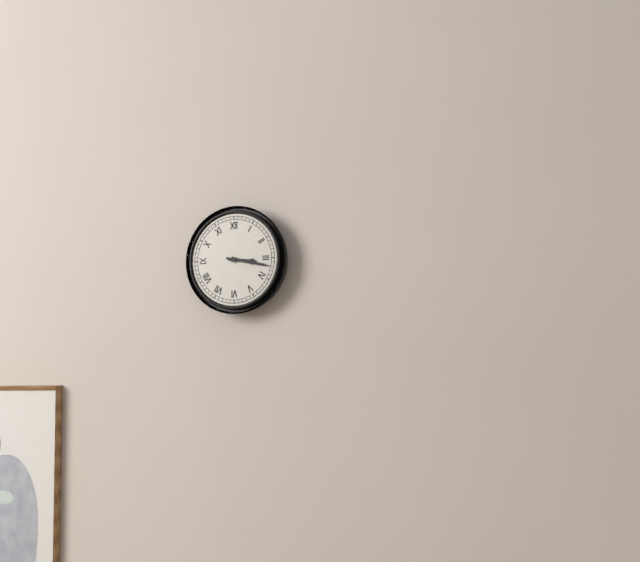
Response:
3h17
